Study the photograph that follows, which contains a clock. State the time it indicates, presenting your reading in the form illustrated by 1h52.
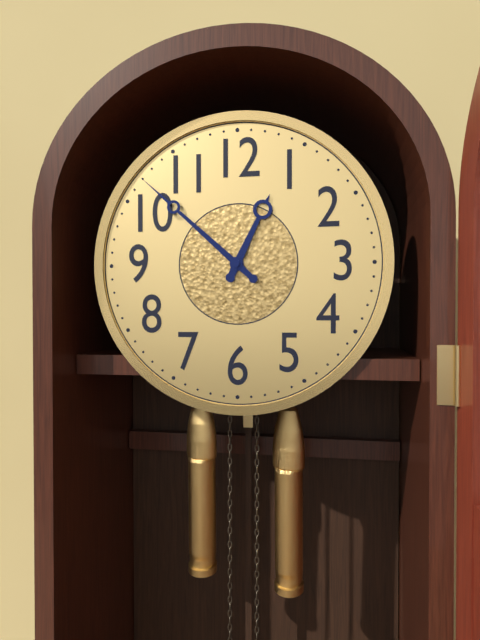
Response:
12h52
